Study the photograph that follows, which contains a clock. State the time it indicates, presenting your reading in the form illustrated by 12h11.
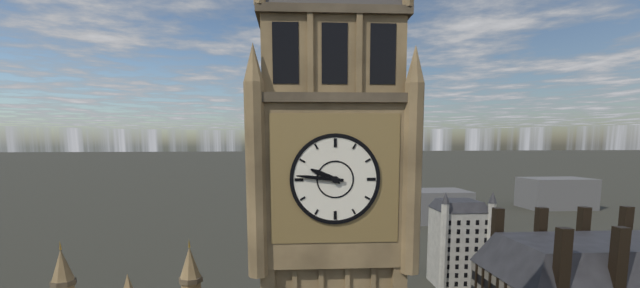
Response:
9h46
